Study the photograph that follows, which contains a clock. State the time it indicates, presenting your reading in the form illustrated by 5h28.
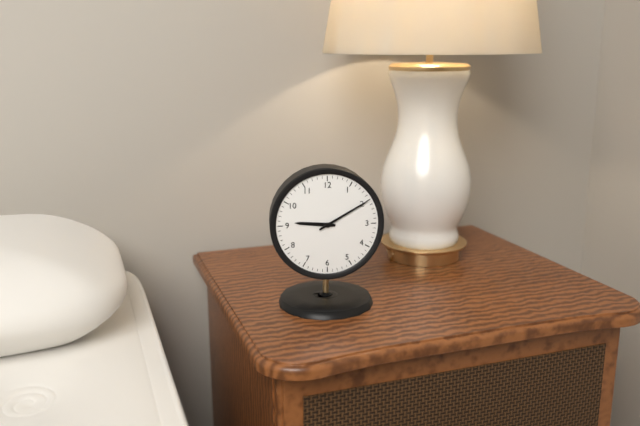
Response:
9h10
